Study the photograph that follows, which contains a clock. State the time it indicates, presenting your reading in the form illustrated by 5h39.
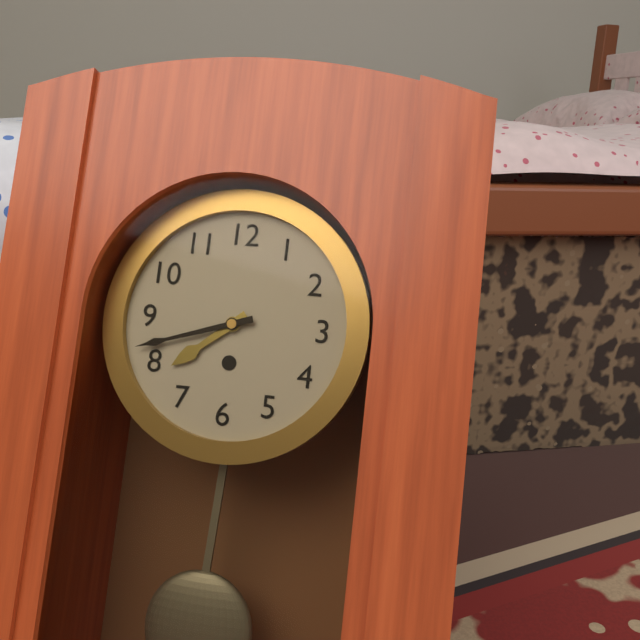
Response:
7h42
